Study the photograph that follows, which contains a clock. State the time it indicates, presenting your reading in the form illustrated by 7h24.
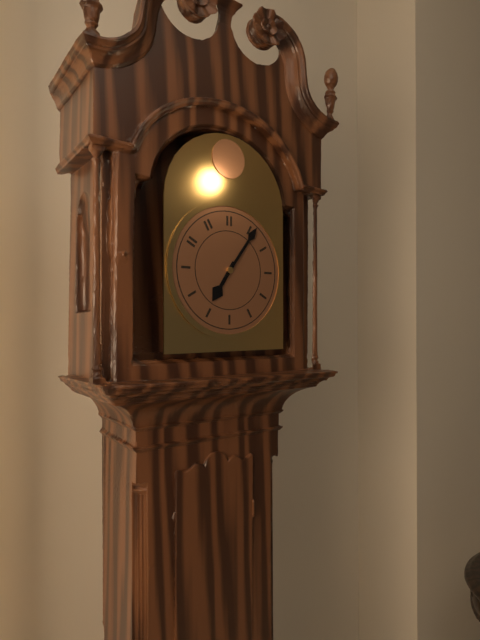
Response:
7h06
